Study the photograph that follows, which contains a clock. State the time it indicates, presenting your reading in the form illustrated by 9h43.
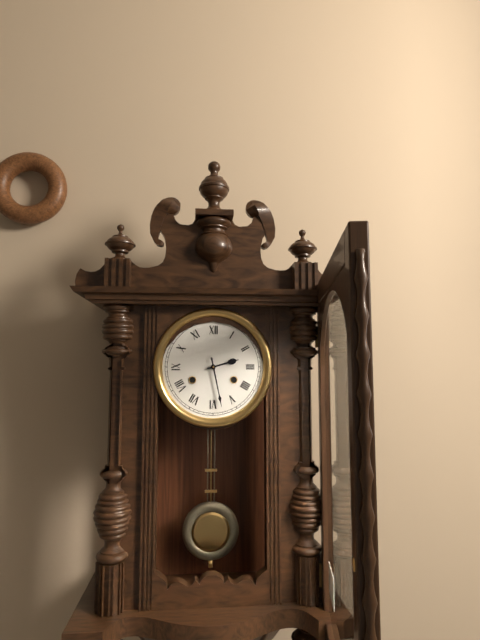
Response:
2h28
